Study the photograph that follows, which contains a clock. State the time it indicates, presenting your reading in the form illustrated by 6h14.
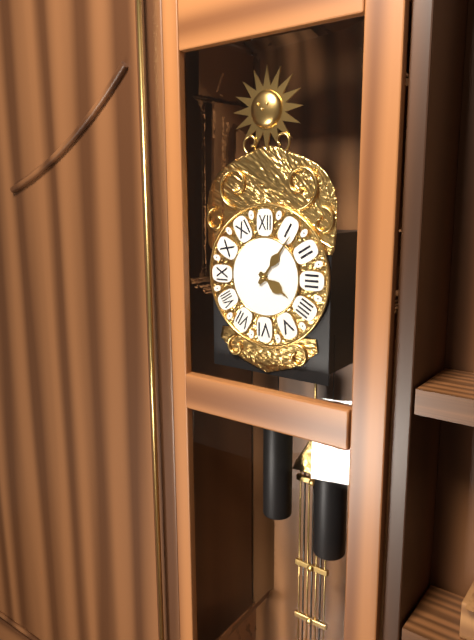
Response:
4h06
